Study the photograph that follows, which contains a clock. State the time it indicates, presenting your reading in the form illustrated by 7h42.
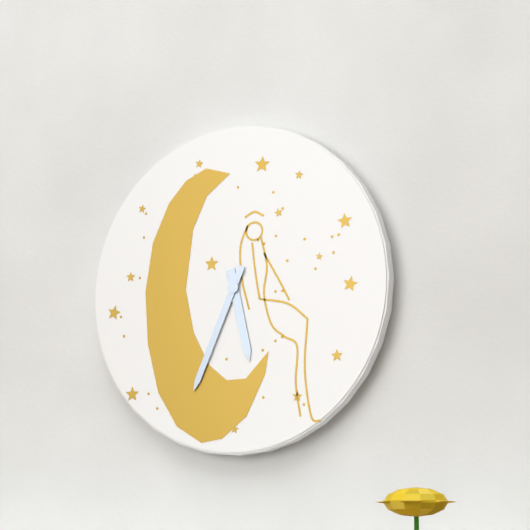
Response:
5h34
